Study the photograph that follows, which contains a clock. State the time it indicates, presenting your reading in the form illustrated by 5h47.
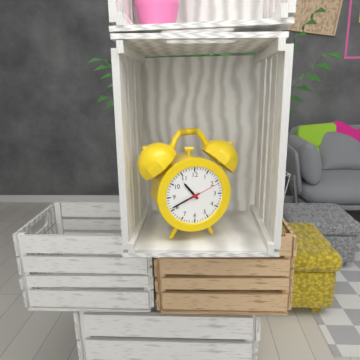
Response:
10h41
